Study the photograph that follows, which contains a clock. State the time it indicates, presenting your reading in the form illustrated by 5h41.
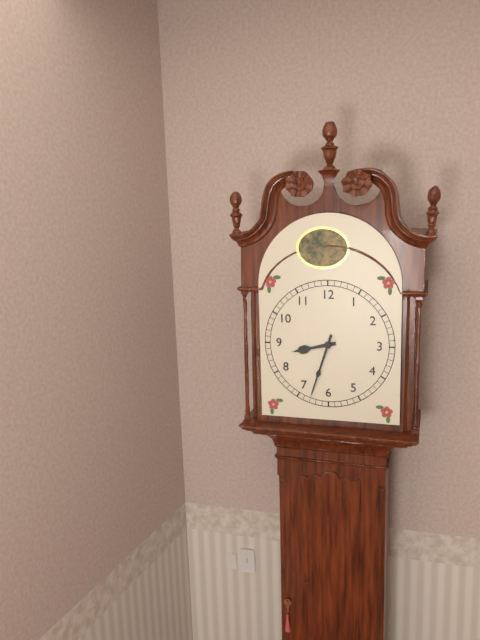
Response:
8h33
